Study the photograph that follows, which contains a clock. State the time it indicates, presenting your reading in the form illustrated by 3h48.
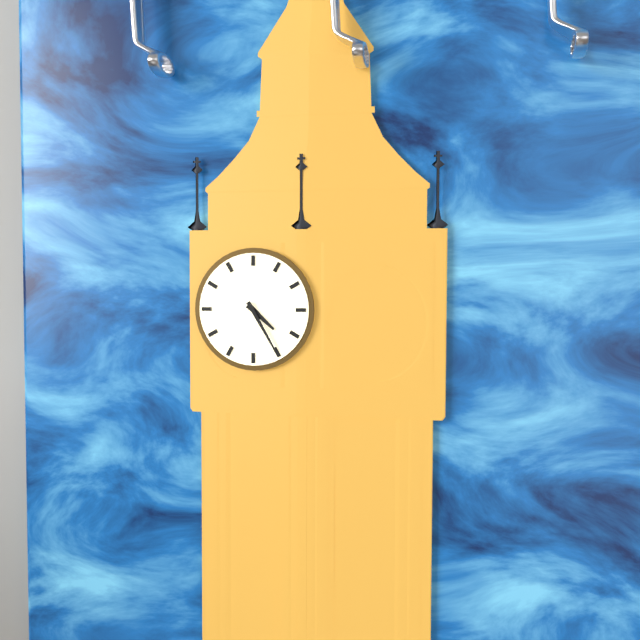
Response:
4h25
